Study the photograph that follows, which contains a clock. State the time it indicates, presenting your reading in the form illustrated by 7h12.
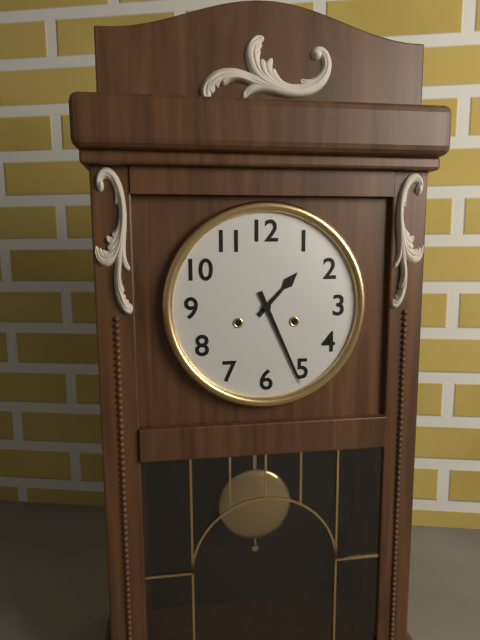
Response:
1h26
